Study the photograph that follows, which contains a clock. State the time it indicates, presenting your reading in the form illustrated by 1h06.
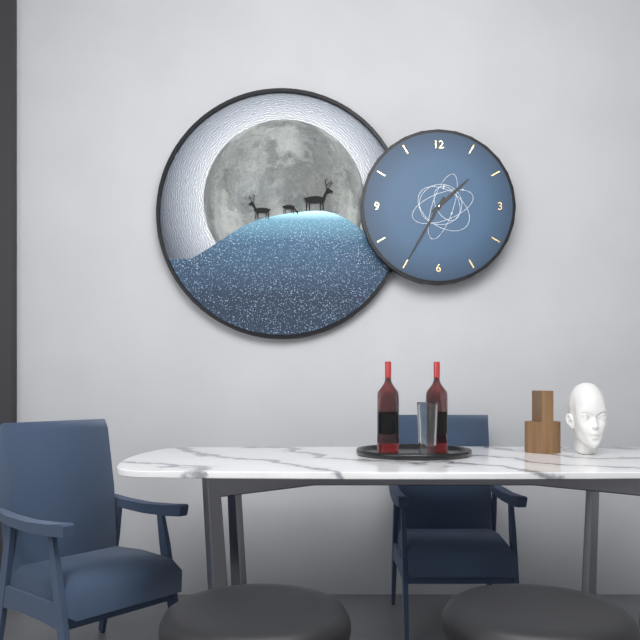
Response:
1h35
